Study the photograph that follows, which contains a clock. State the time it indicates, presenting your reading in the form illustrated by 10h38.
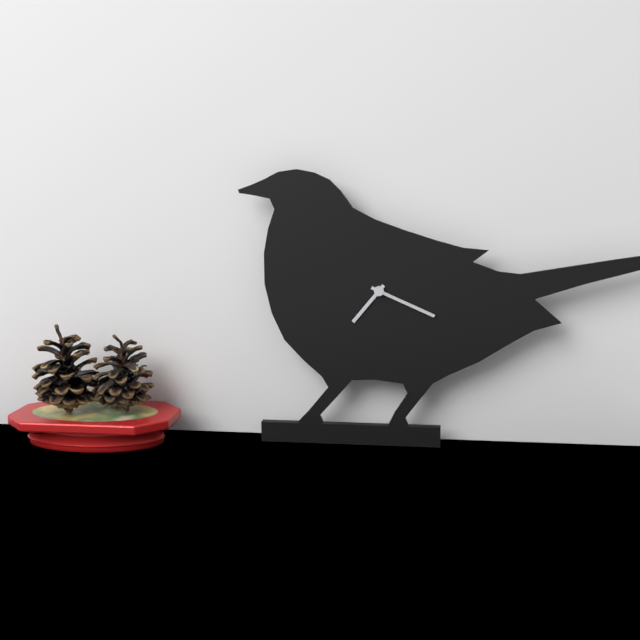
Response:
7h19
